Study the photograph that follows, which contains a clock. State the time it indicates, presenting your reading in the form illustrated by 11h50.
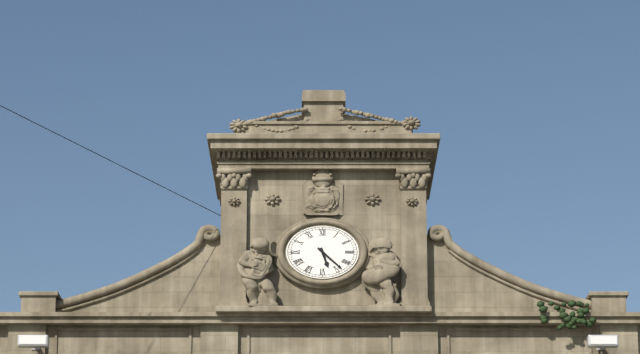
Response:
5h22
